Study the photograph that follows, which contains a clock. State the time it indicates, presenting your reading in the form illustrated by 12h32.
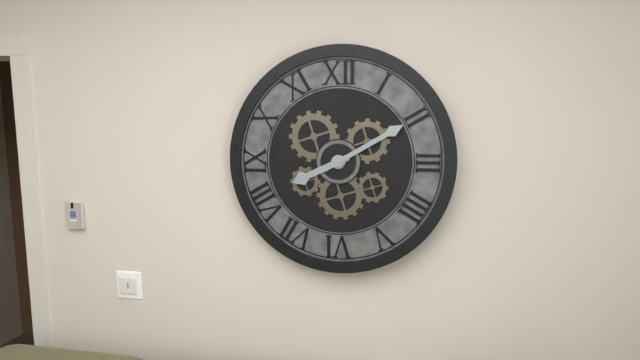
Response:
8h10
